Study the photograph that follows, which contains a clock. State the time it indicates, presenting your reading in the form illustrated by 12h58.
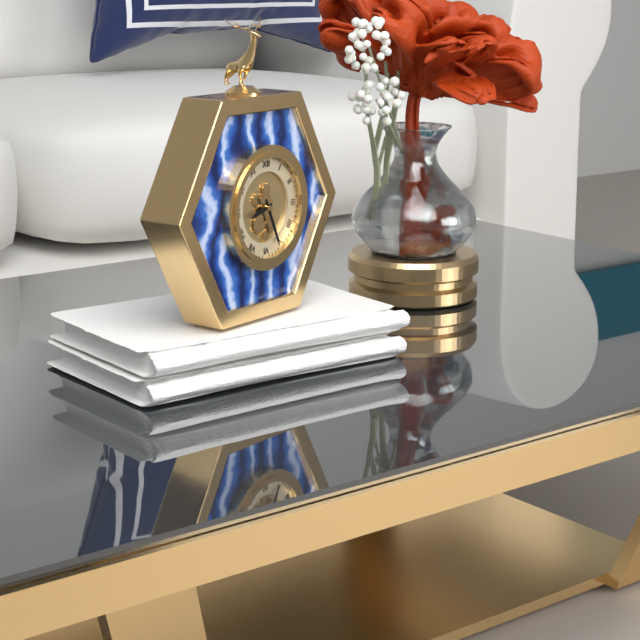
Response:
8h26
